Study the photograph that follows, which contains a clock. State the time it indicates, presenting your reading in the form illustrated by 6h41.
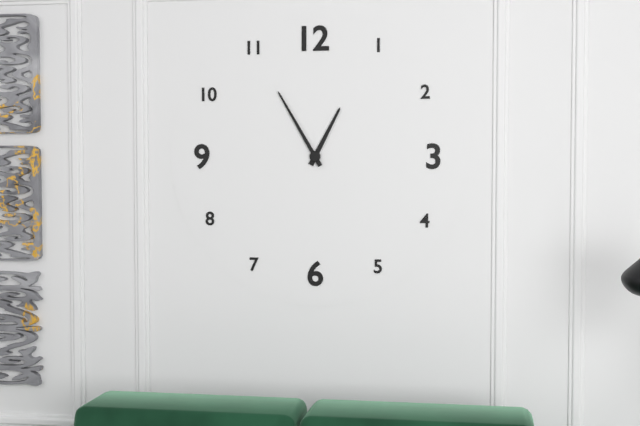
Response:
12h55
